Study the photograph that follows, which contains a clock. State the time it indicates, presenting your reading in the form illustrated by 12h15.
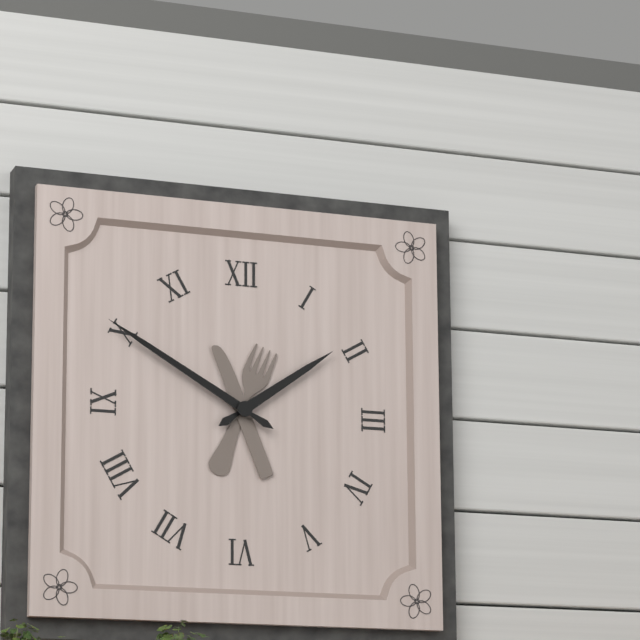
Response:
1h50
